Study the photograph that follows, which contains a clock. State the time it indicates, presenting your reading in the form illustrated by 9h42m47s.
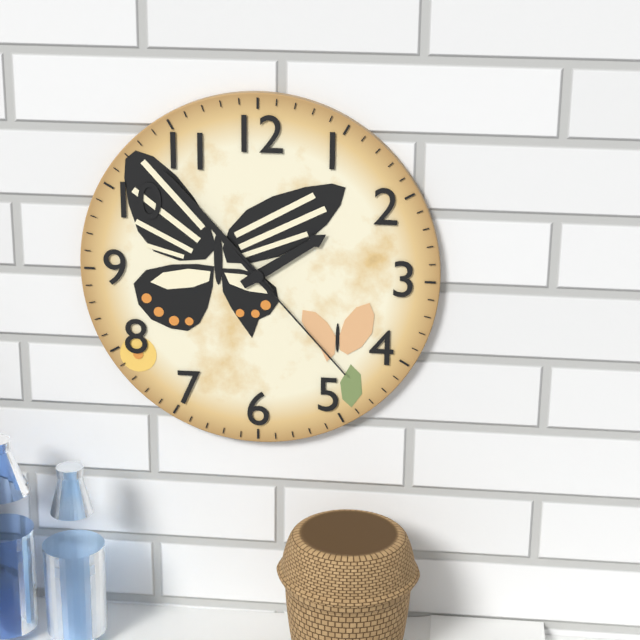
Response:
1h53m23s
